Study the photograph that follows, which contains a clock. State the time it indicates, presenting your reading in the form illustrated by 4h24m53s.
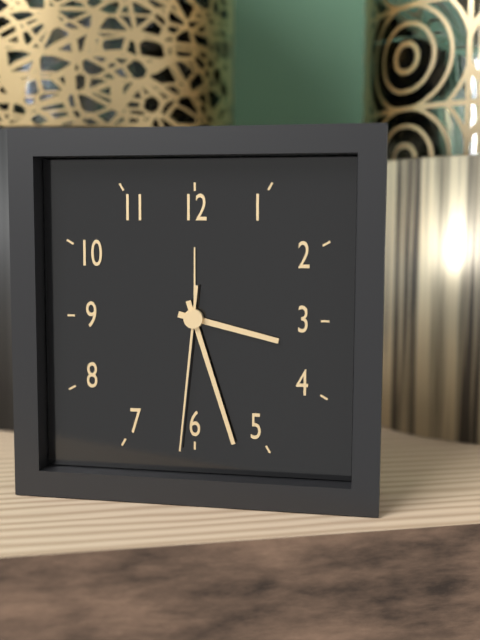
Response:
3h27m31s
